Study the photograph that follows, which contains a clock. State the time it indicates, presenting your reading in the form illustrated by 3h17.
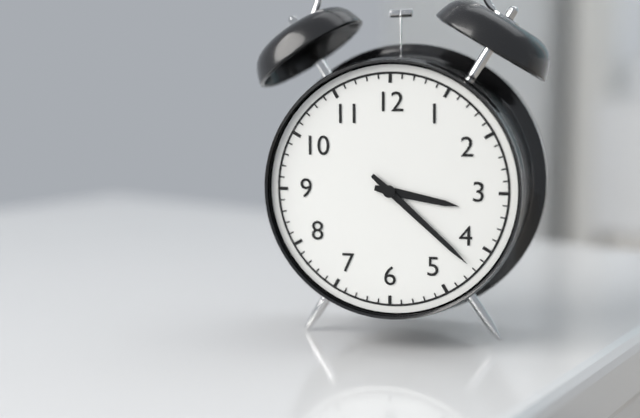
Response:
3h22
